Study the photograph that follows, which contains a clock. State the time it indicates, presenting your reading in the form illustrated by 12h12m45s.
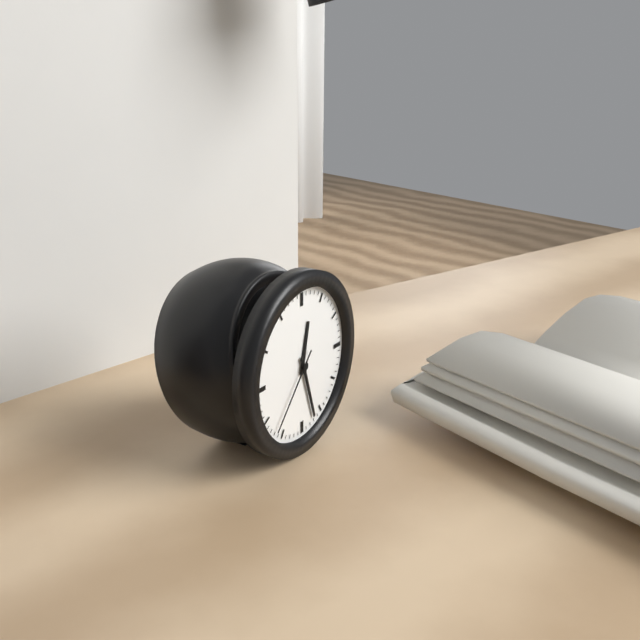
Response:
12h27m37s
